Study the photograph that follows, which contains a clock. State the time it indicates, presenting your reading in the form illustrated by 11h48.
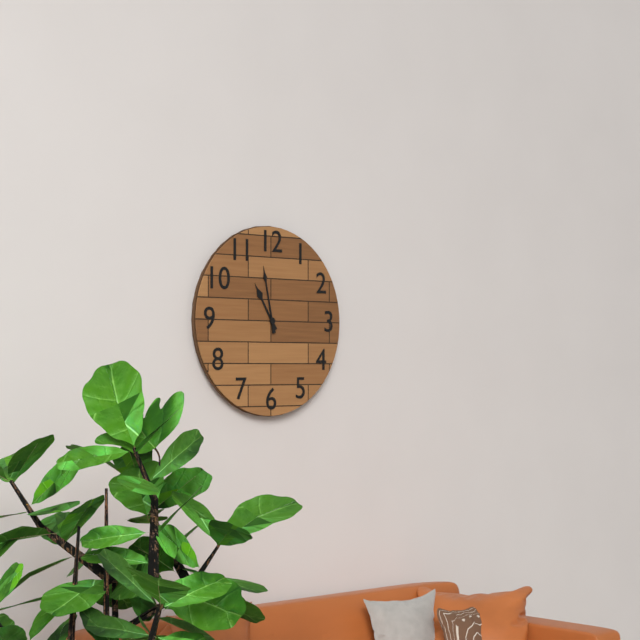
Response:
10h58
